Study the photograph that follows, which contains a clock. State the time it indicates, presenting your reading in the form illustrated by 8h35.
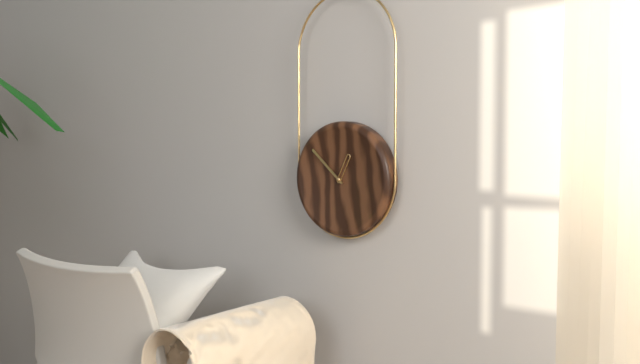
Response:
12h52
